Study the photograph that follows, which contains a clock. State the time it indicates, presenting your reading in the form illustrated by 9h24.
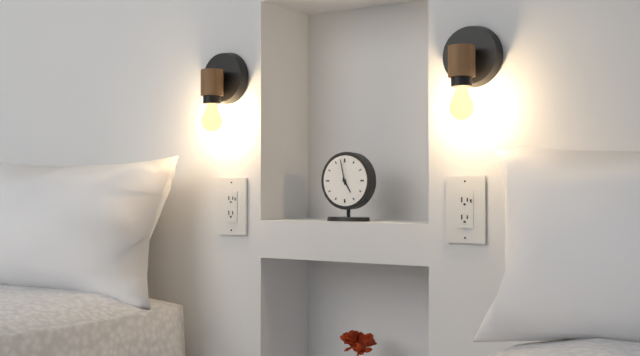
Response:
4h58
